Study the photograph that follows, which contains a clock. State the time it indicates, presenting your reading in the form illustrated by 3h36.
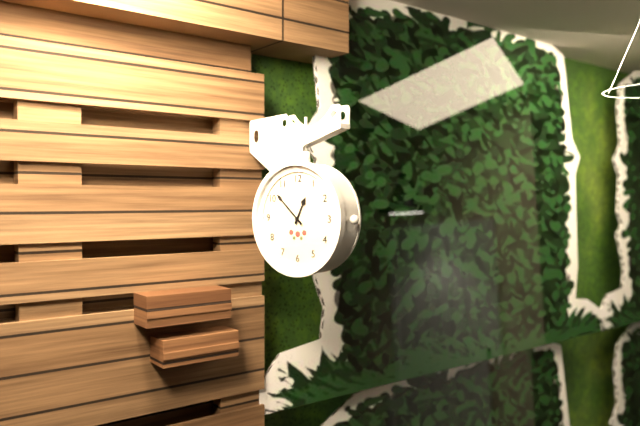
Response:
12h52
